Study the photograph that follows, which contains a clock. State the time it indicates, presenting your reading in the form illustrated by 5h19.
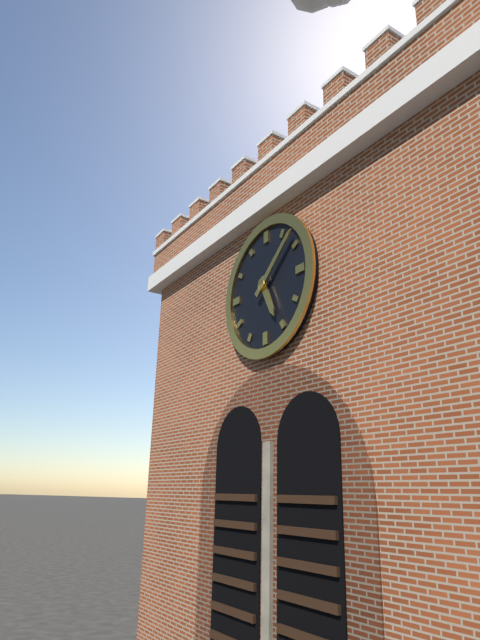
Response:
5h08
